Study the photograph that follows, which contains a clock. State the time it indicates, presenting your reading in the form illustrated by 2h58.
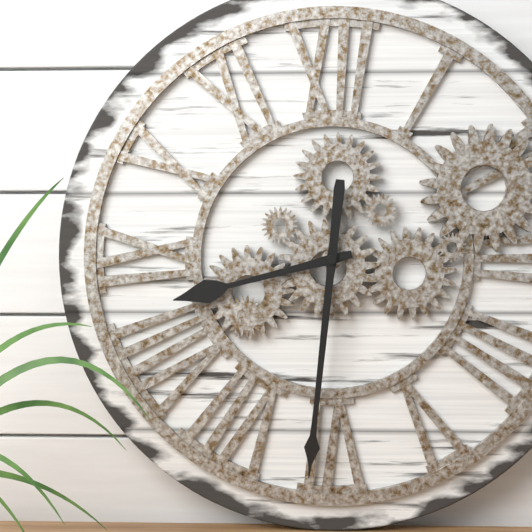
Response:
8h31
